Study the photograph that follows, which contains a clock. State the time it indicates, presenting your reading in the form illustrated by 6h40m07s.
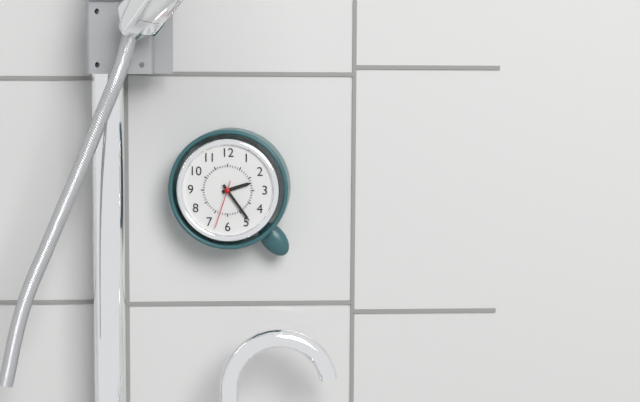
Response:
2h24m33s
